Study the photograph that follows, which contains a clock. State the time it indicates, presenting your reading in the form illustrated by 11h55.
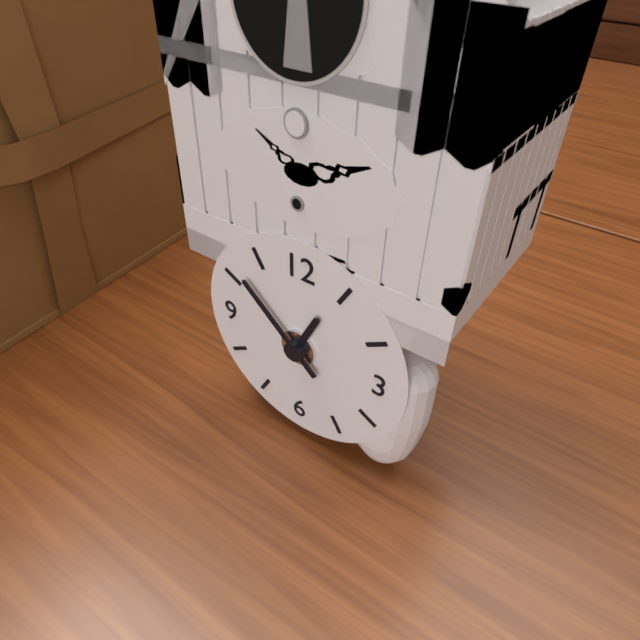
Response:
12h52
